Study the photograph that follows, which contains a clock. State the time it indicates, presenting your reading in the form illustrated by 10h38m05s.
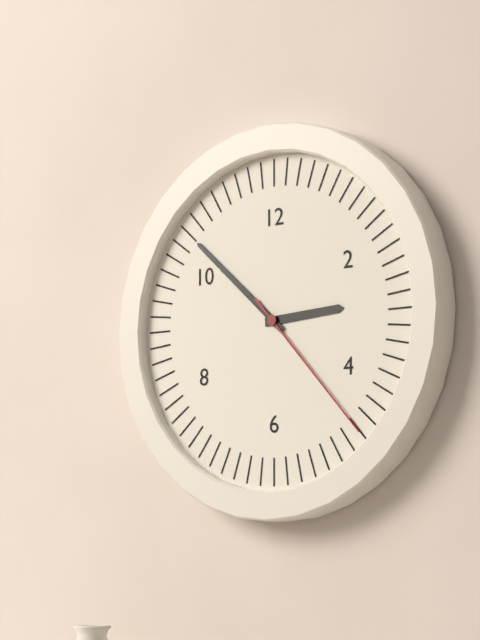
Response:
2h52m23s
